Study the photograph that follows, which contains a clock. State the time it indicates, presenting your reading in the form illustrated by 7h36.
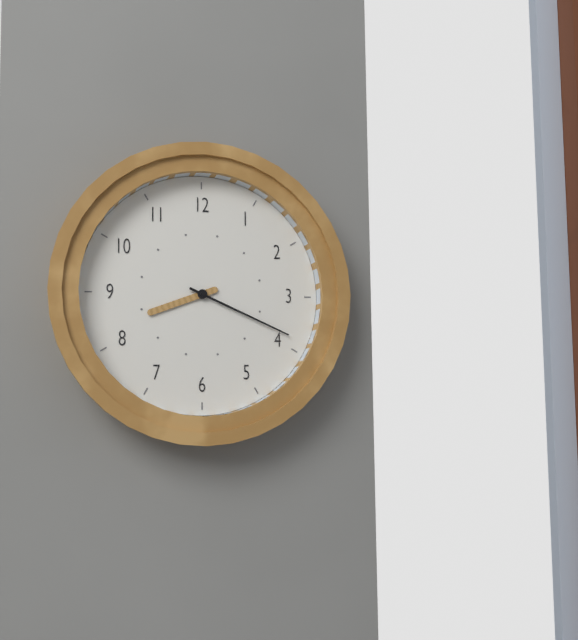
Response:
8h19
